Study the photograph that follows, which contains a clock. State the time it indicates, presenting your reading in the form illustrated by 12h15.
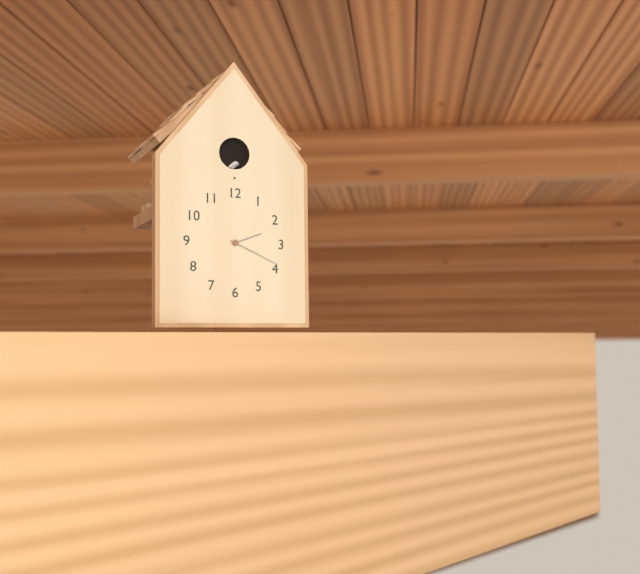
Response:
2h19
